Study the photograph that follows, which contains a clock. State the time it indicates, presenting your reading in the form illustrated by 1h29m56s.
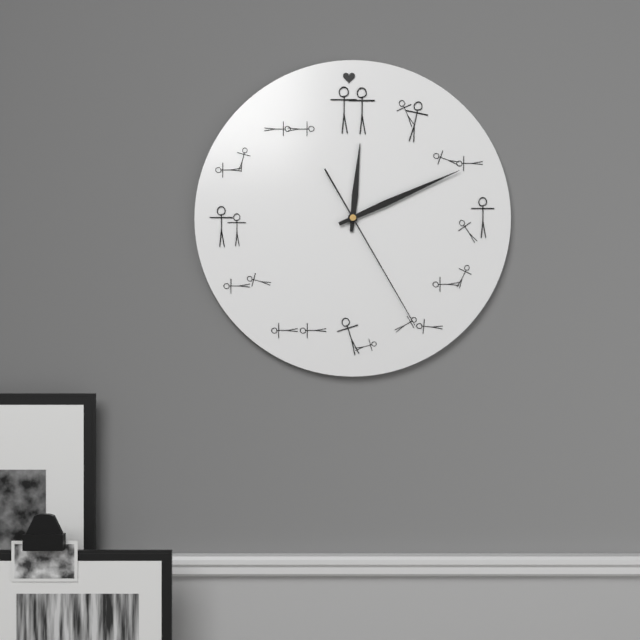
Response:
12h11m25s
